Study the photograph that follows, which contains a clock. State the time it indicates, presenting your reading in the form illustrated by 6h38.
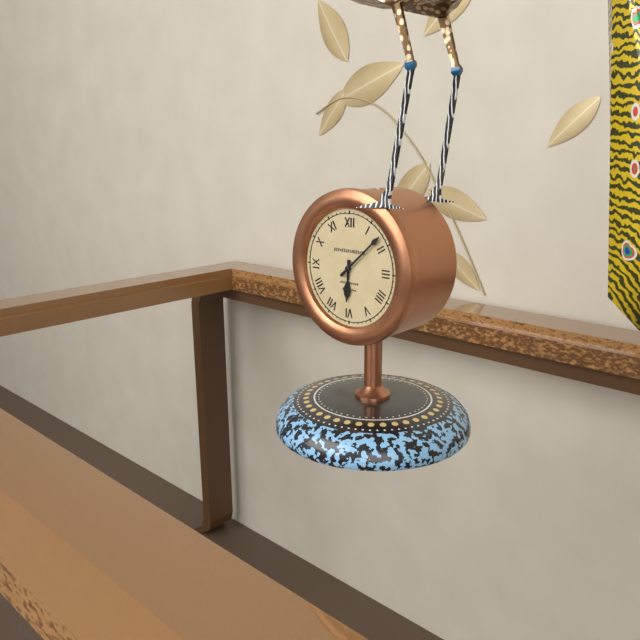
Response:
6h08
